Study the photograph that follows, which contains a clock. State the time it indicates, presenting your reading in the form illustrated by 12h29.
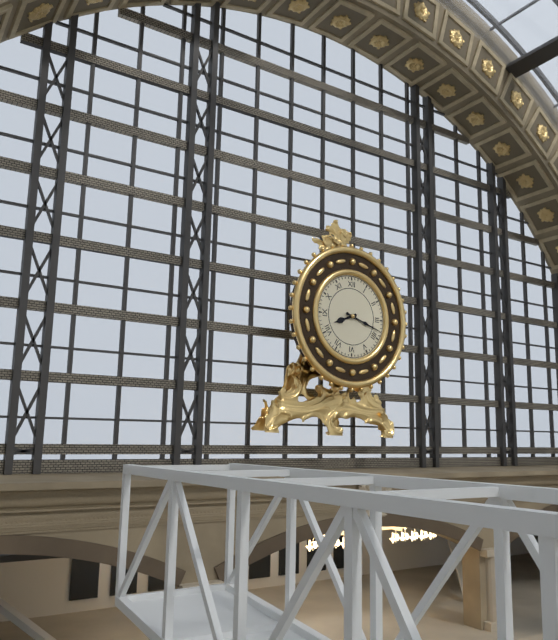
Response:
8h18
